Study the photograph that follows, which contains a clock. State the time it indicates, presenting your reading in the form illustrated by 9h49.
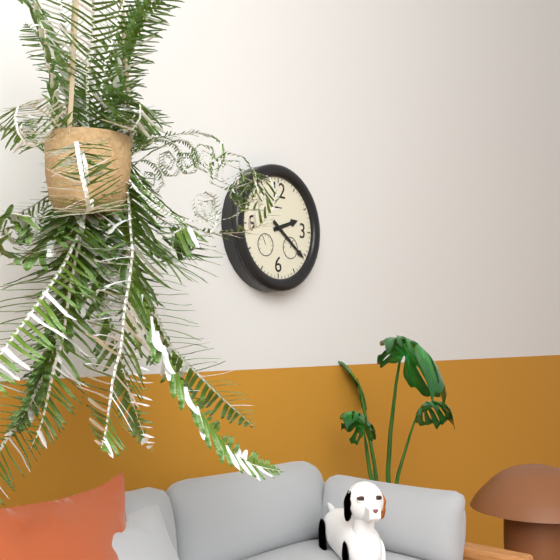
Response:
2h21
